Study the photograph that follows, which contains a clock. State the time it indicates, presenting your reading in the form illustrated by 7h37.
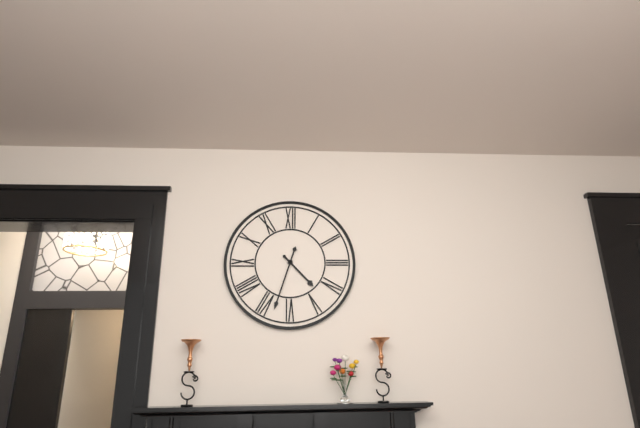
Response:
4h33
